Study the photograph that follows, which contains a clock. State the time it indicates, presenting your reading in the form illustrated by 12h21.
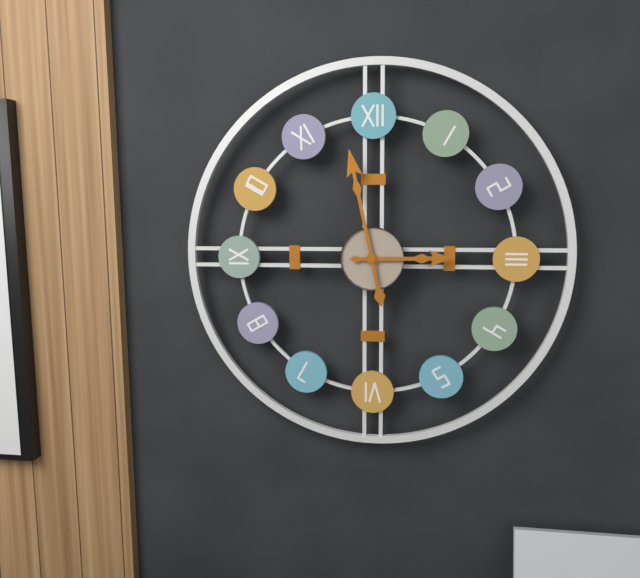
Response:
2h58
